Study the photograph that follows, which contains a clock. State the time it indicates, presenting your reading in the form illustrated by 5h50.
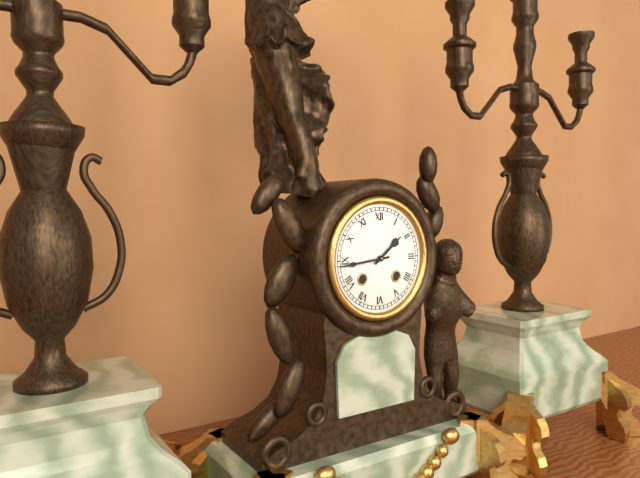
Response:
1h44
